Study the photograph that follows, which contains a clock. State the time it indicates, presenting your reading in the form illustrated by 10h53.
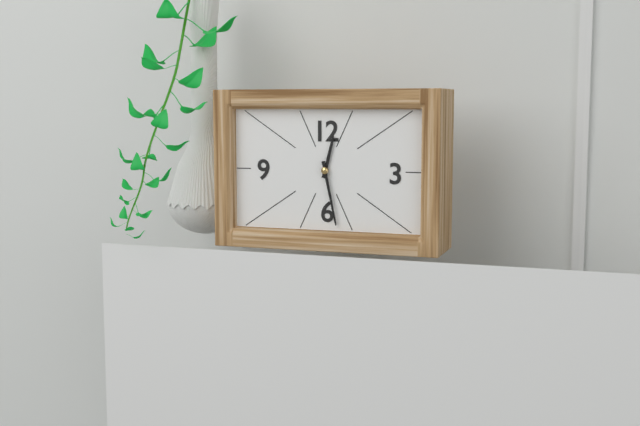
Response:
12h28
